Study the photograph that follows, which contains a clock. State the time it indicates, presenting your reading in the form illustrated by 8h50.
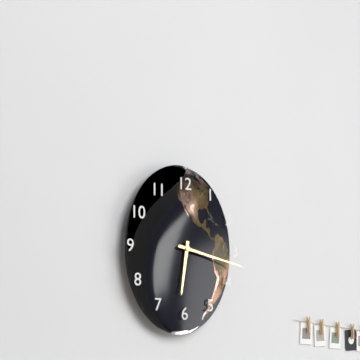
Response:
6h17
